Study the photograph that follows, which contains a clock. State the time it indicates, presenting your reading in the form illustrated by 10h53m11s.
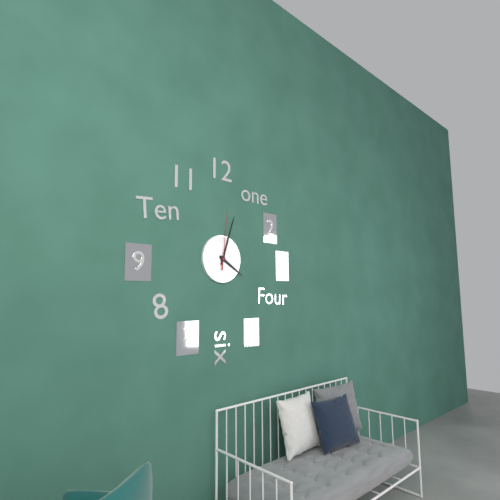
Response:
4h03m01s
